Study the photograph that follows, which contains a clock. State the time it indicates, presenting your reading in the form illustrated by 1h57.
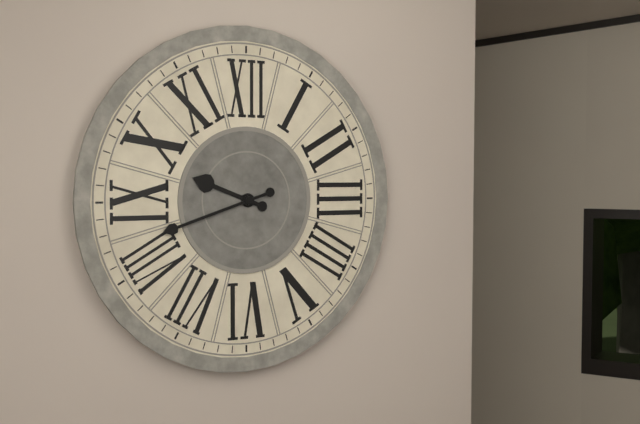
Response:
9h42
